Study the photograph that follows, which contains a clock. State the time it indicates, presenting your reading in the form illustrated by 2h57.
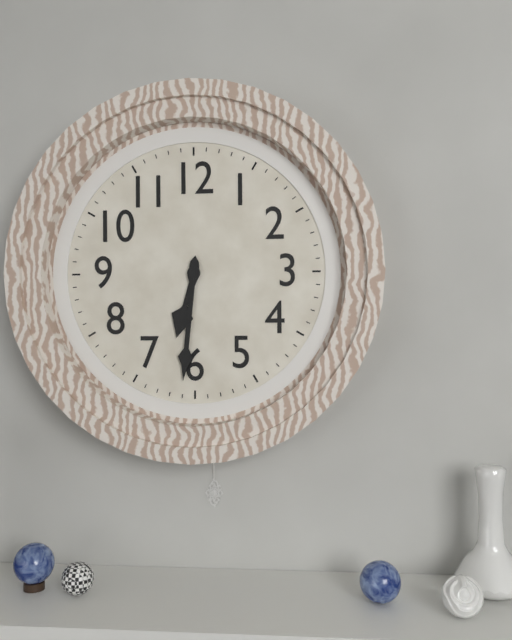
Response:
6h31
